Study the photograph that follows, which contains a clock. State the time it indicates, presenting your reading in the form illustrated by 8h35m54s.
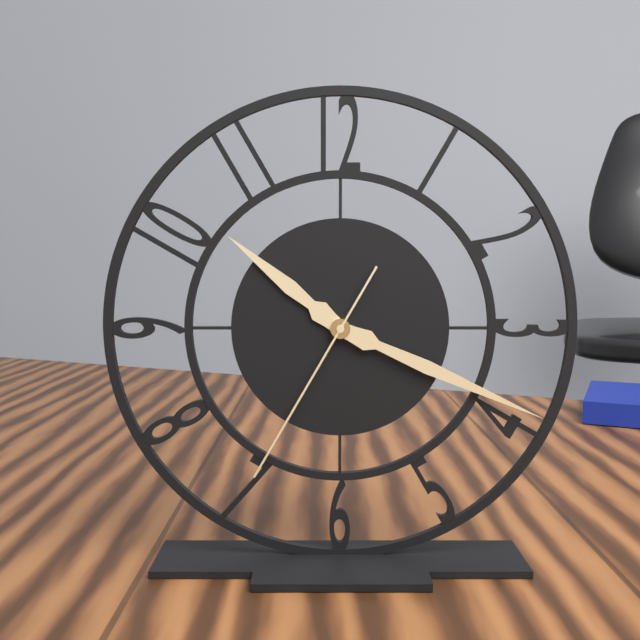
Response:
10h19m35s
